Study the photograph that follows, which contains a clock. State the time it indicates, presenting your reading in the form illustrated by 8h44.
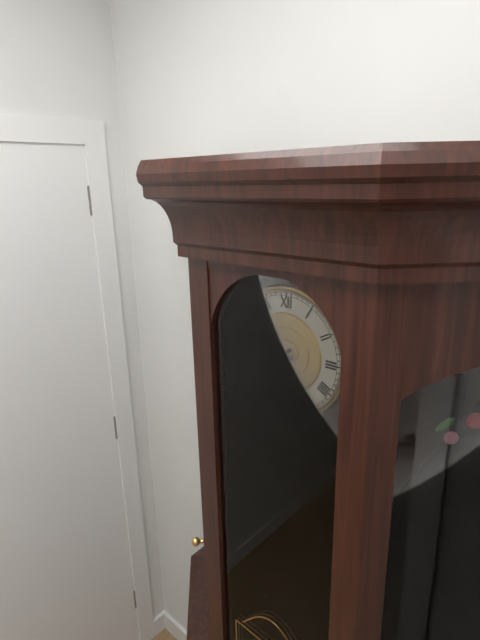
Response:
7h49
